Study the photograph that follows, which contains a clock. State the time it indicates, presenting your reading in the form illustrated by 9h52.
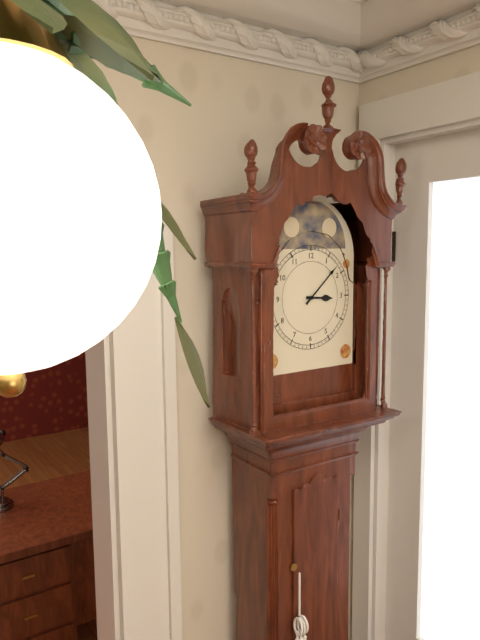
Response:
3h08
